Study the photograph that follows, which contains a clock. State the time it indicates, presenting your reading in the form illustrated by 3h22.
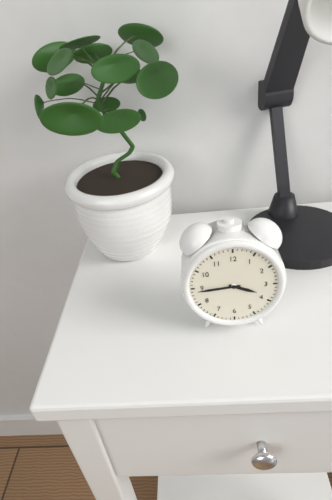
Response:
3h44
